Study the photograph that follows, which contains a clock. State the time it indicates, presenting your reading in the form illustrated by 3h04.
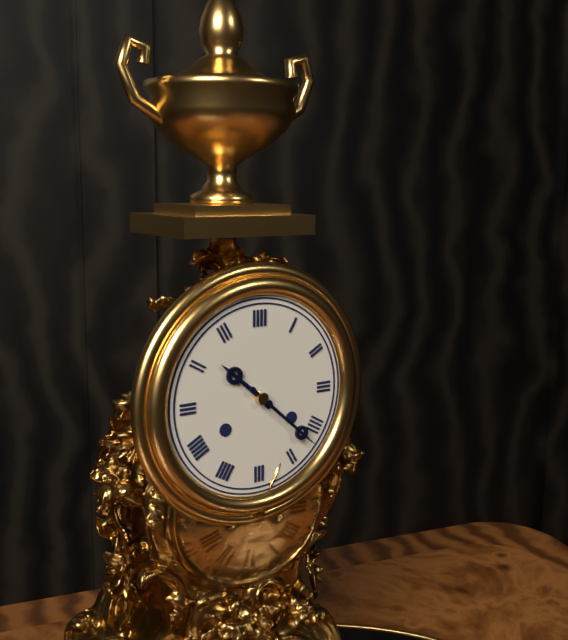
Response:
10h22
